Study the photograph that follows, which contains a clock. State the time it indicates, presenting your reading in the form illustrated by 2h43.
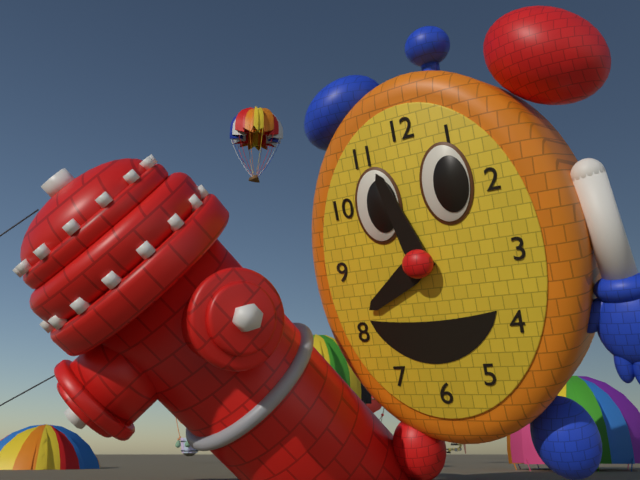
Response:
7h57
